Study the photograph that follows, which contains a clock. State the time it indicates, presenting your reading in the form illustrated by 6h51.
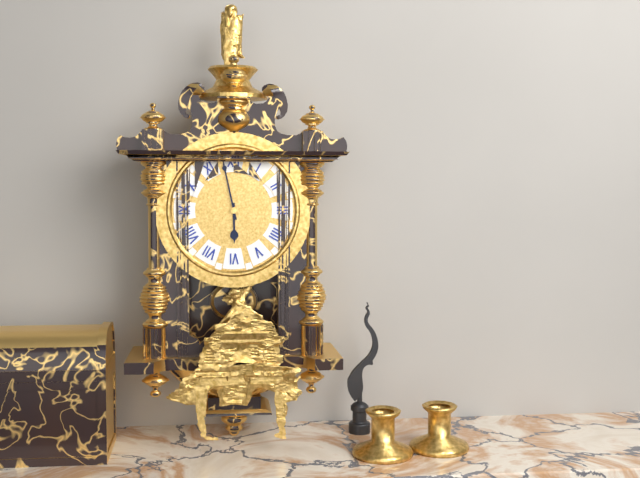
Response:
5h58
